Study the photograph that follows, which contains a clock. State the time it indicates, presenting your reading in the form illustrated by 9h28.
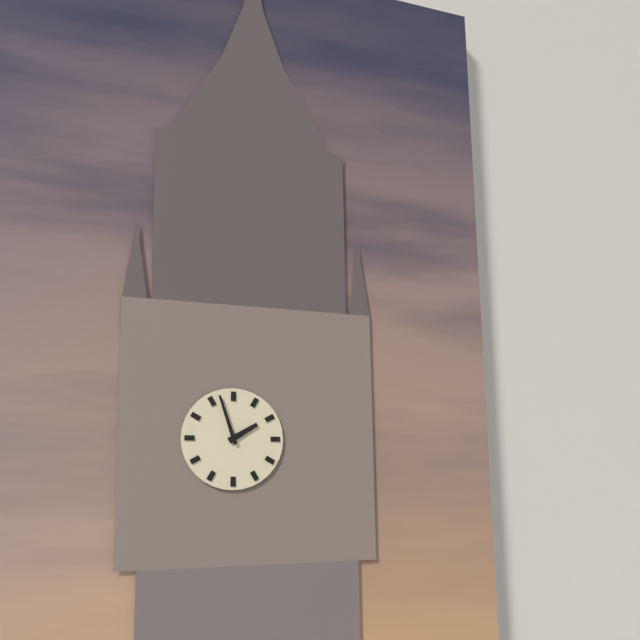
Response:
1h57
